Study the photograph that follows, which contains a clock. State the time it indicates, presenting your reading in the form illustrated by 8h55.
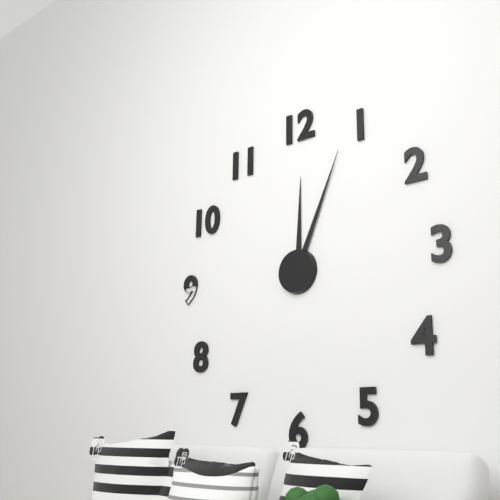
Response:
12h04
